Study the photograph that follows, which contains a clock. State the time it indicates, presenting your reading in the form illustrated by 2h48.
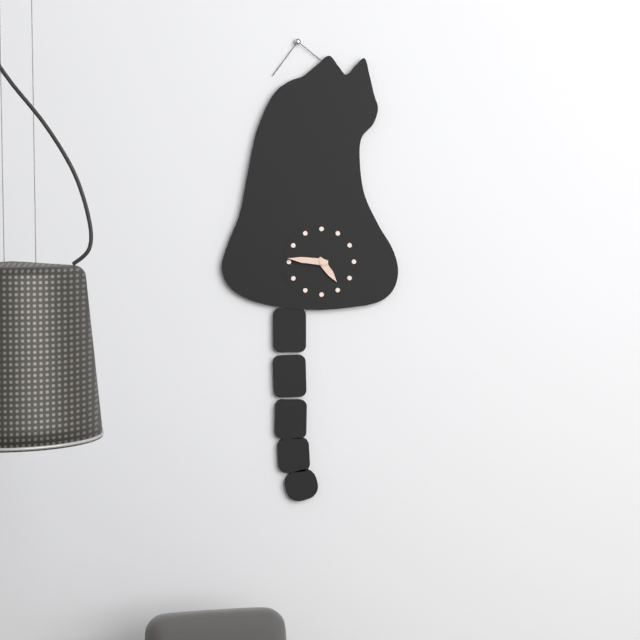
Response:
4h46
